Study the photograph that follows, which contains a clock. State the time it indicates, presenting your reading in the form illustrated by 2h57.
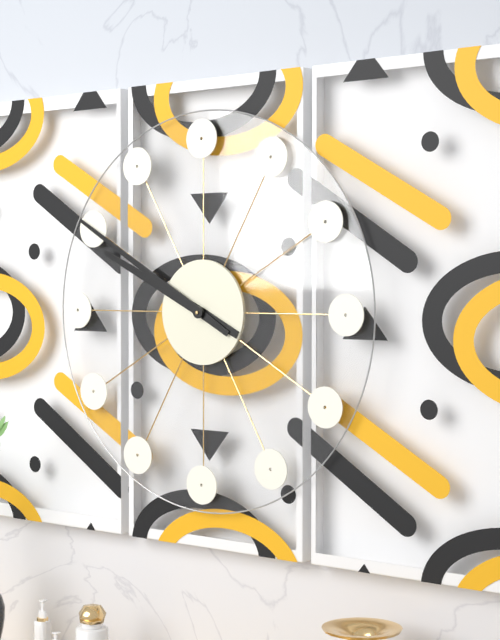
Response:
9h50
